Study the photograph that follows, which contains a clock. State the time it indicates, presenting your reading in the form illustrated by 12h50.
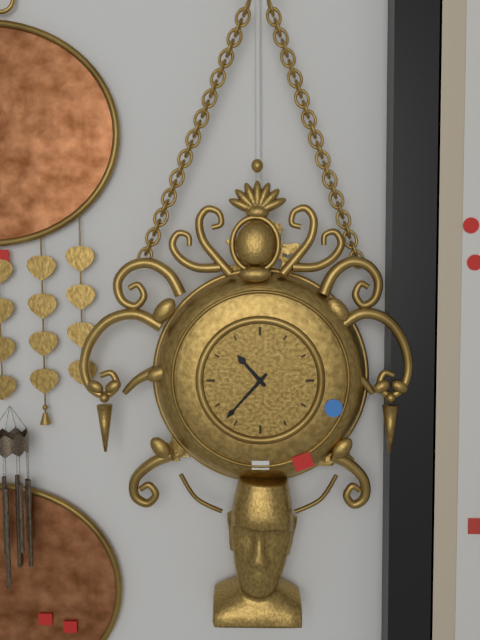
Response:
10h37
